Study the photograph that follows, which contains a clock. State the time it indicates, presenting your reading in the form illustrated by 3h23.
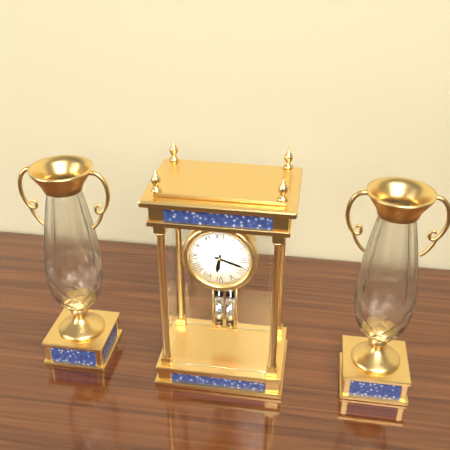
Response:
6h18
